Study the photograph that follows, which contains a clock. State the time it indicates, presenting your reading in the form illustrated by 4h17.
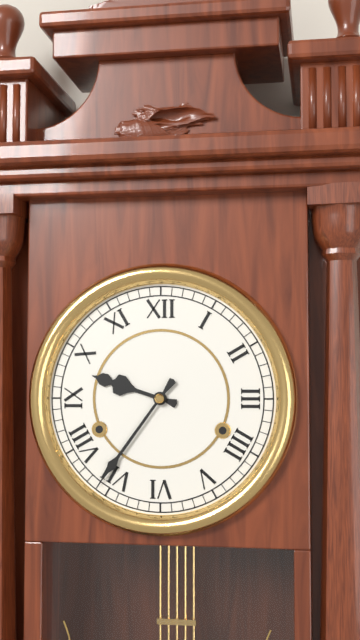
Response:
9h36
